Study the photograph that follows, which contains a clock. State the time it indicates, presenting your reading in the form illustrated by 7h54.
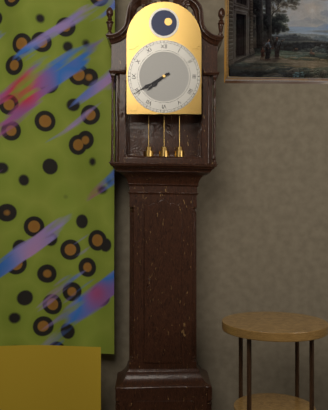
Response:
7h40
